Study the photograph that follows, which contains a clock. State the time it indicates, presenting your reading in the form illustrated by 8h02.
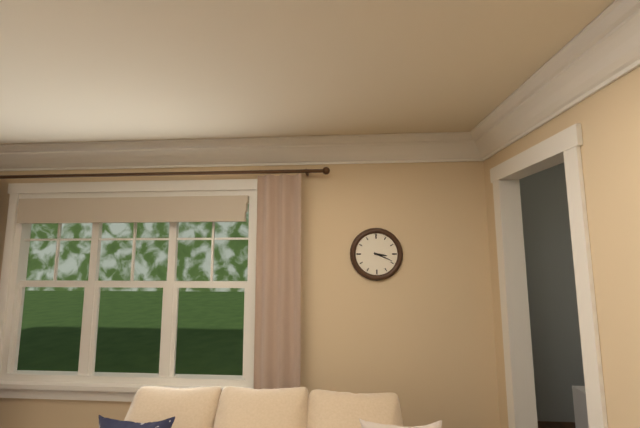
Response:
3h19
